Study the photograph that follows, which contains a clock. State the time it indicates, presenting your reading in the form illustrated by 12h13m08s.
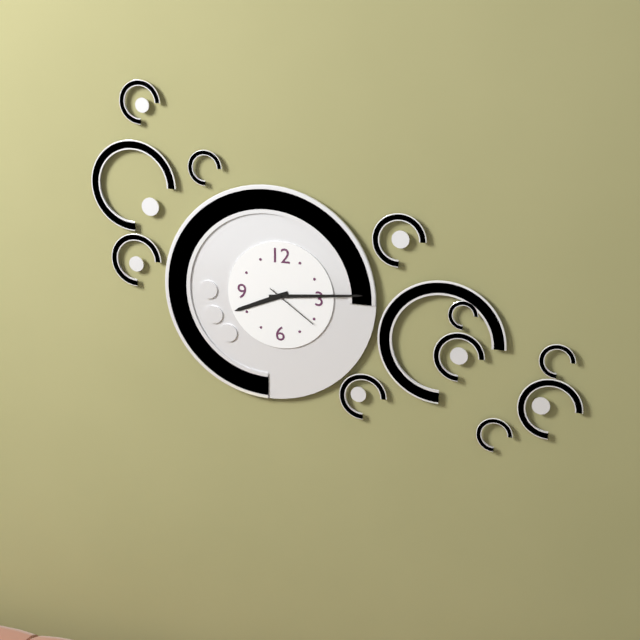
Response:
8h14m21s
